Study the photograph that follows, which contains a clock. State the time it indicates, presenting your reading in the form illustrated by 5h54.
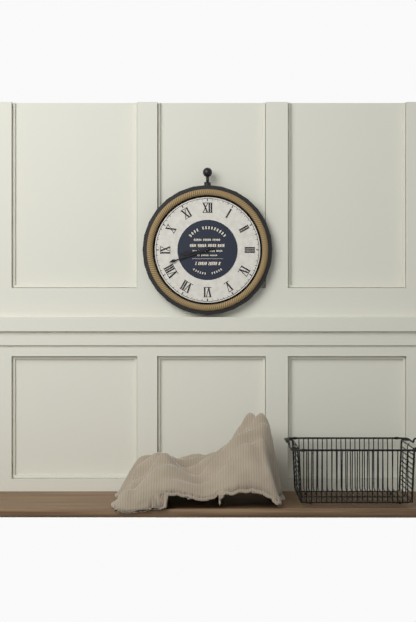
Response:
8h42
